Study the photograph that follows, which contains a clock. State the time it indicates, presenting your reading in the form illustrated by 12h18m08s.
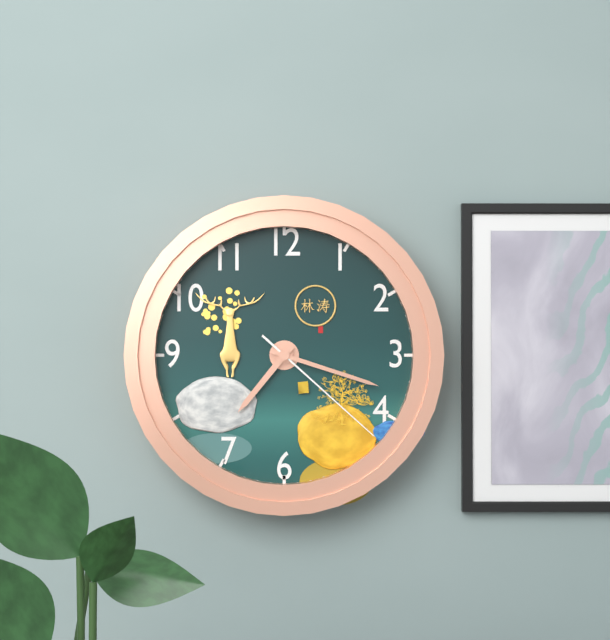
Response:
7h18m22s
